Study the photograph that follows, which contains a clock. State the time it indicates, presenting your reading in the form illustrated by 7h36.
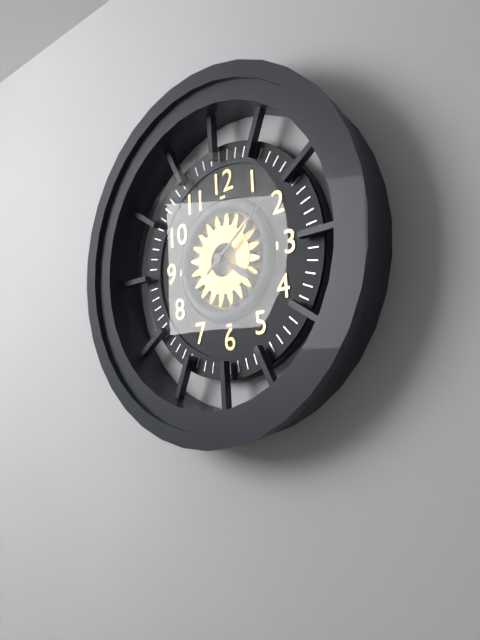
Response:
4h09
